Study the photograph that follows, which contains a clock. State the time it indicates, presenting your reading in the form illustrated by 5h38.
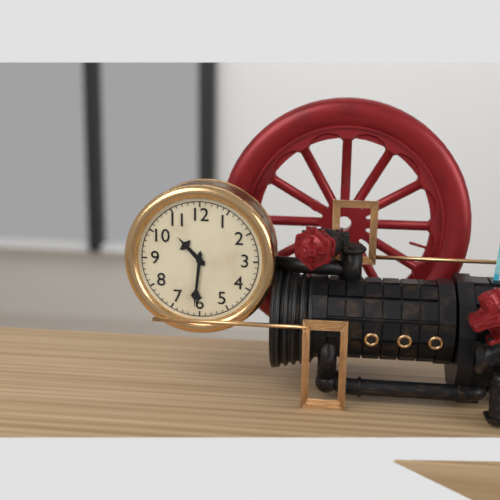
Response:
10h31
